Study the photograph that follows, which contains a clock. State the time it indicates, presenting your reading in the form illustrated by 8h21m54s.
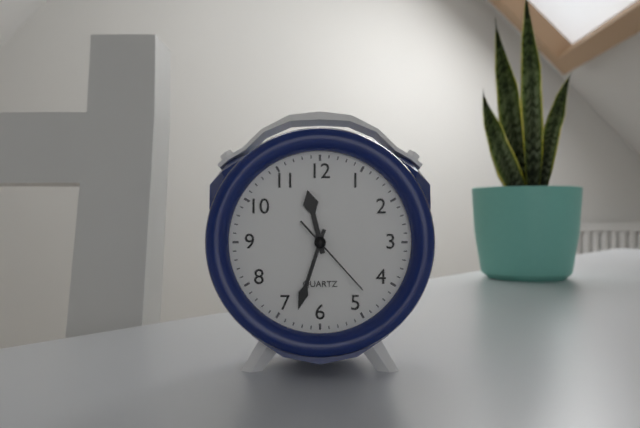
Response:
11h33m23s
